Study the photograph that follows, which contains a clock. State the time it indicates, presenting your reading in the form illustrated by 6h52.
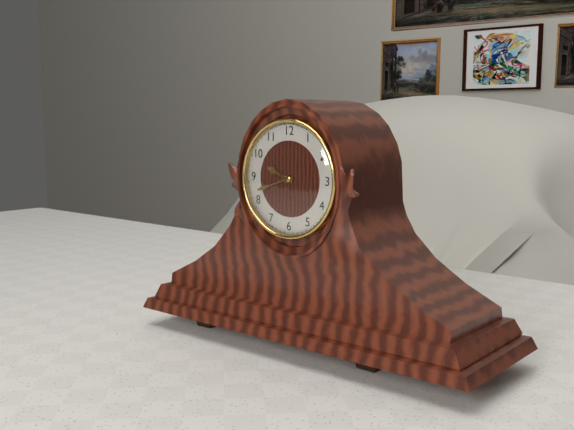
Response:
9h42
